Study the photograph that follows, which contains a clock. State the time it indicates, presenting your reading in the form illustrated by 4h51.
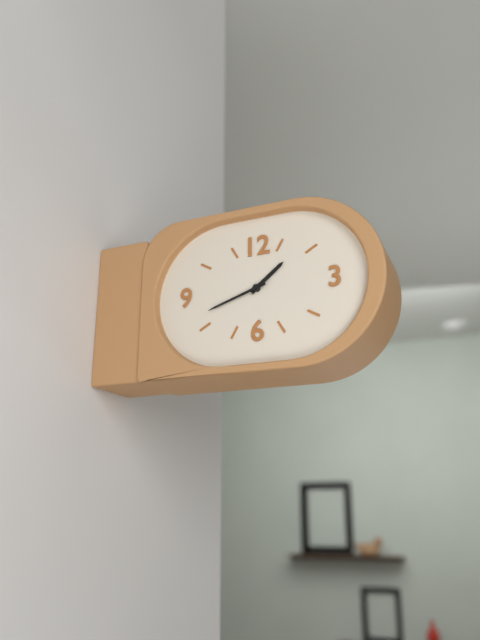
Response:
1h42
